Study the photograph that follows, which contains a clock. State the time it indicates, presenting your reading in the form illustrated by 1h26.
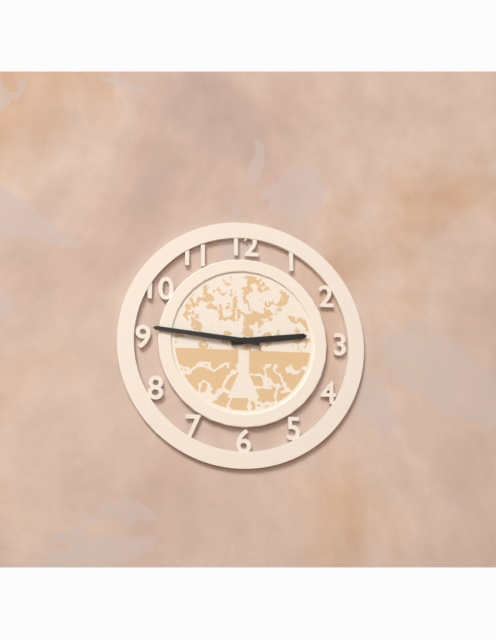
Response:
2h46
